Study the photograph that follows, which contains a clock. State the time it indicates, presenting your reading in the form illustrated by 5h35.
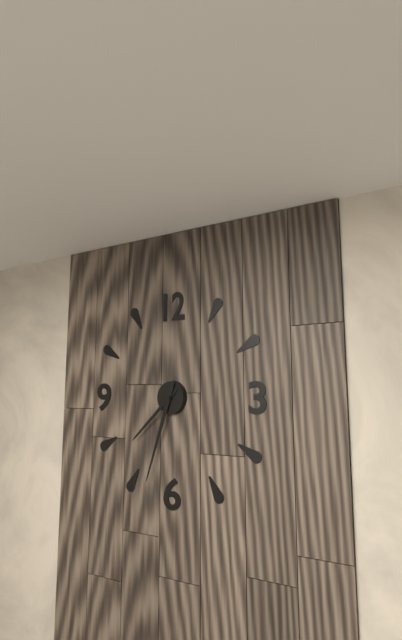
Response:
7h33
